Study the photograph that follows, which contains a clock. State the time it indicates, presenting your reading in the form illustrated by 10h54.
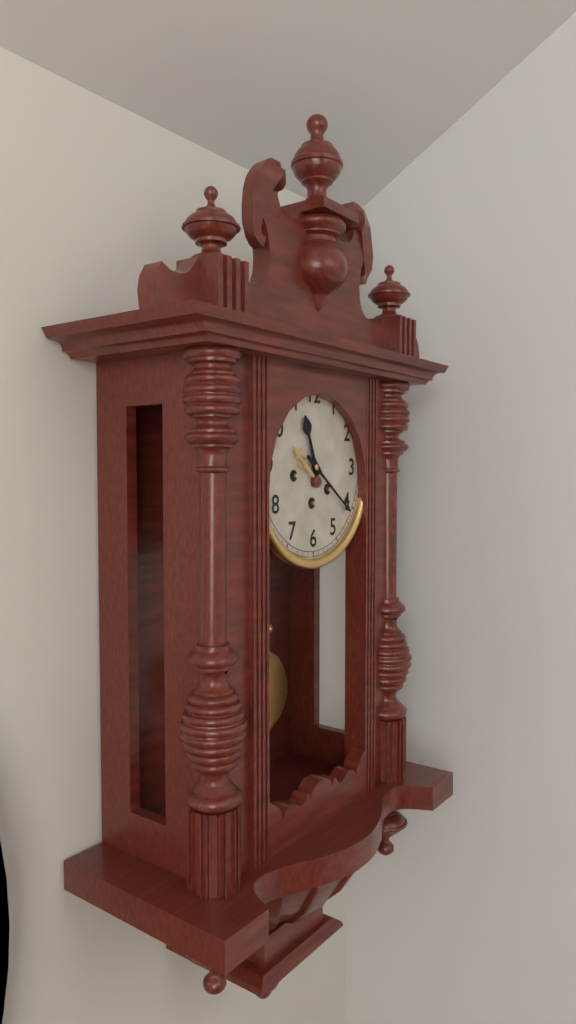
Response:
11h21
